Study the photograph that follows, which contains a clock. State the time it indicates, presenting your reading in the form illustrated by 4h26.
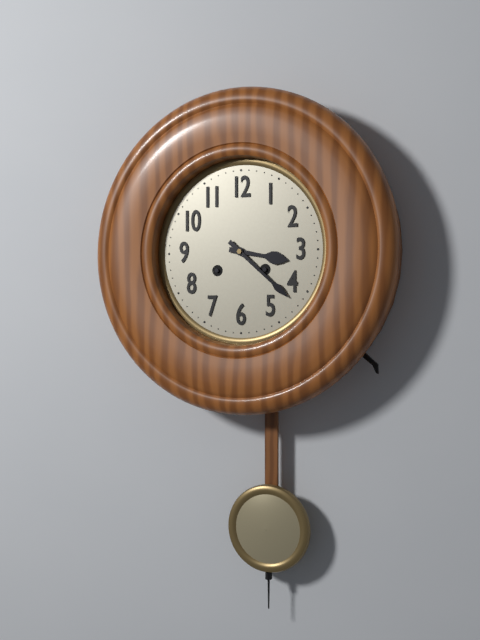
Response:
3h22
